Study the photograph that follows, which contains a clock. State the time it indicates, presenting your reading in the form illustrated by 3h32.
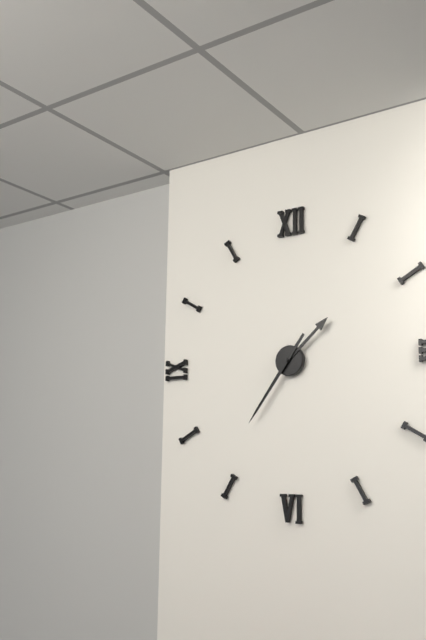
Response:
1h36
